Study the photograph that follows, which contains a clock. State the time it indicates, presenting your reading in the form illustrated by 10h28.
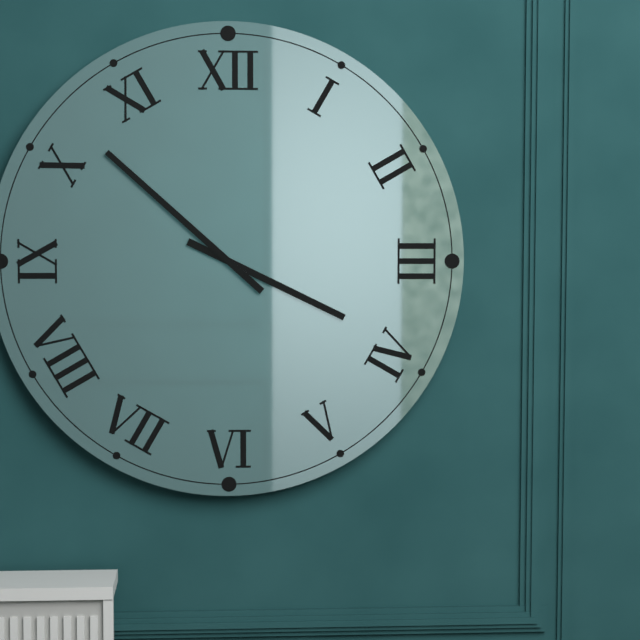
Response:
3h52
